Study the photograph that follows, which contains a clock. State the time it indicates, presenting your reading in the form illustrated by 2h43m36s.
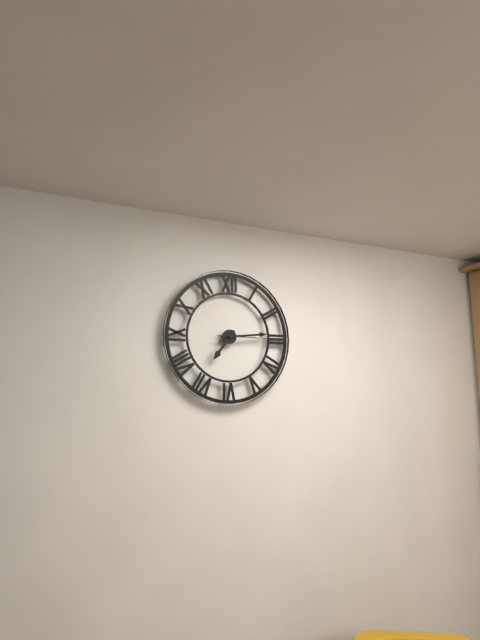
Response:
7h14m15s
